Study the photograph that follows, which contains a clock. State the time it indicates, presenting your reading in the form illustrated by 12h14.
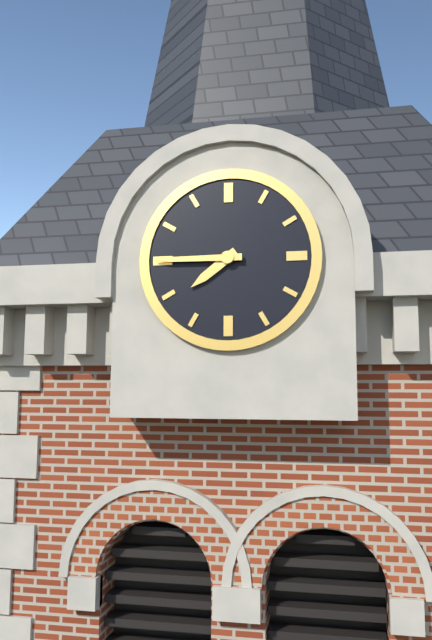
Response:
7h45
